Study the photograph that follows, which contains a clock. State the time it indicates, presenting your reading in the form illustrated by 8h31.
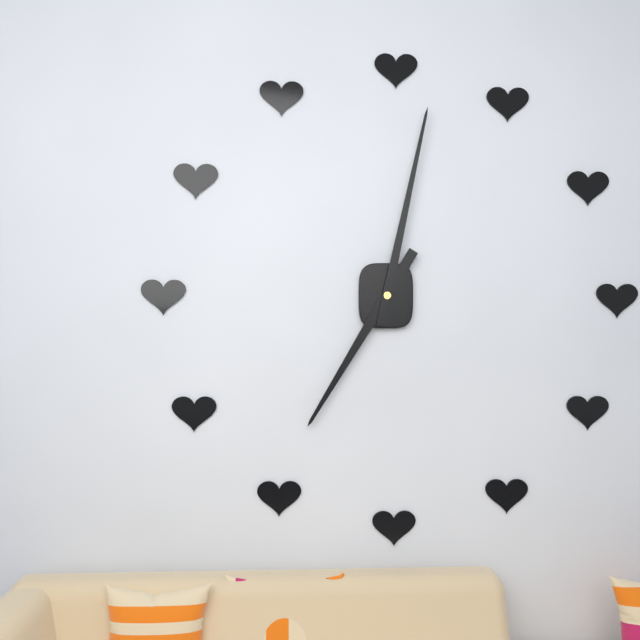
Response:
7h02
